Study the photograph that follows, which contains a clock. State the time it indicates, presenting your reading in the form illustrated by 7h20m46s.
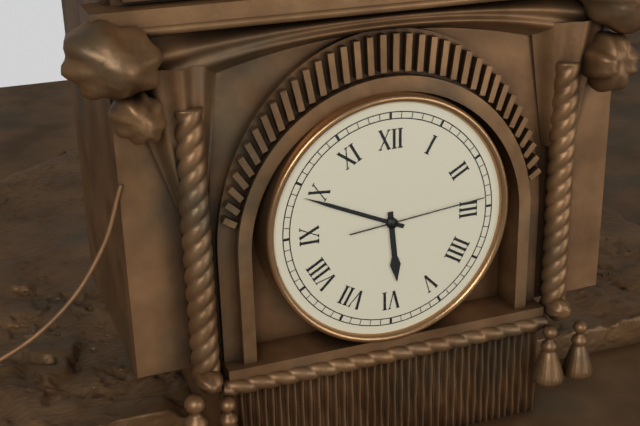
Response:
5h49m14s
